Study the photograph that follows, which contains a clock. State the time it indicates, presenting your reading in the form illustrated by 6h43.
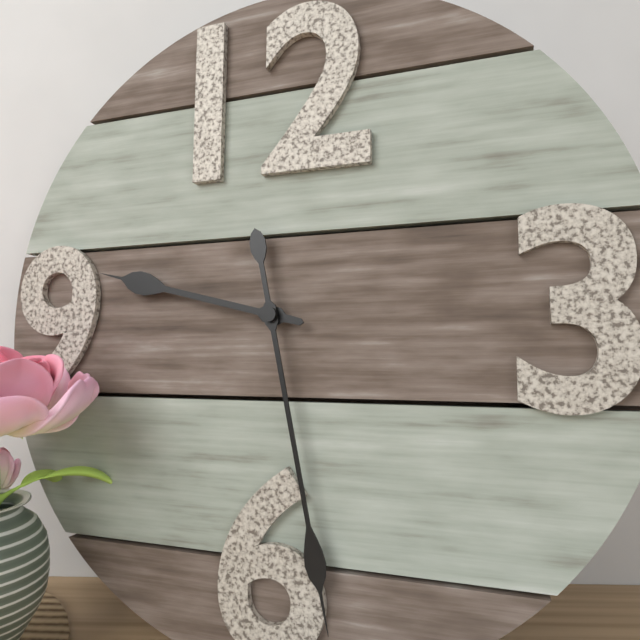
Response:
9h28
